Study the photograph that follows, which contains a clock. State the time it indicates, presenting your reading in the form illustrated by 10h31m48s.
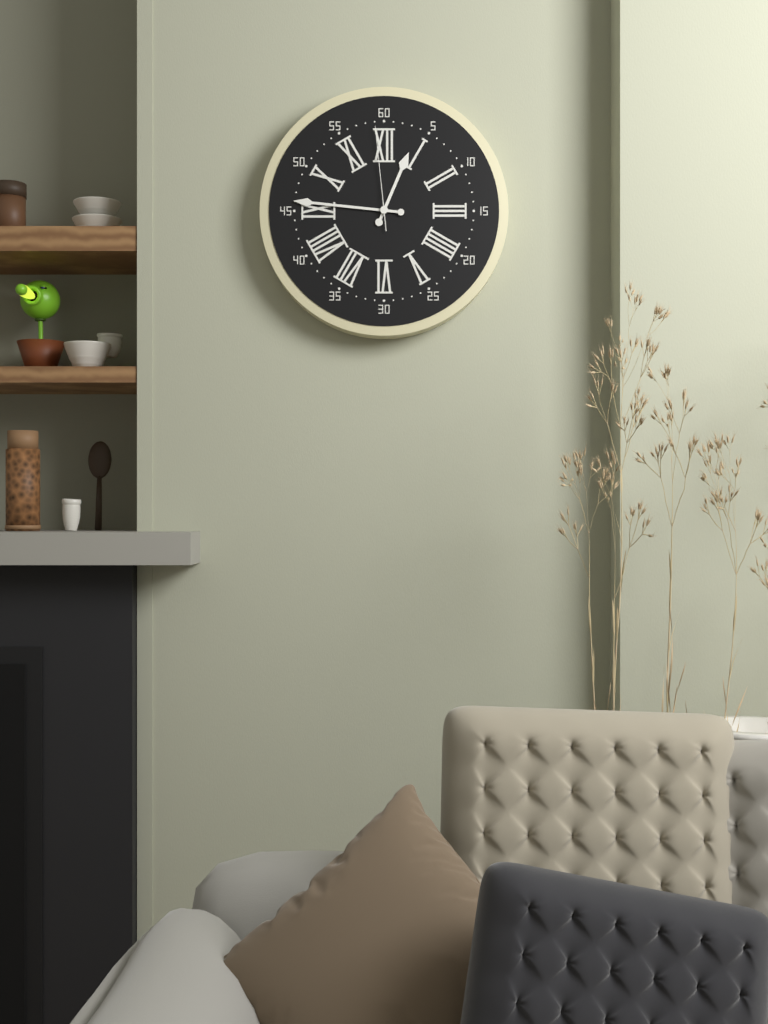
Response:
12h46m59s
